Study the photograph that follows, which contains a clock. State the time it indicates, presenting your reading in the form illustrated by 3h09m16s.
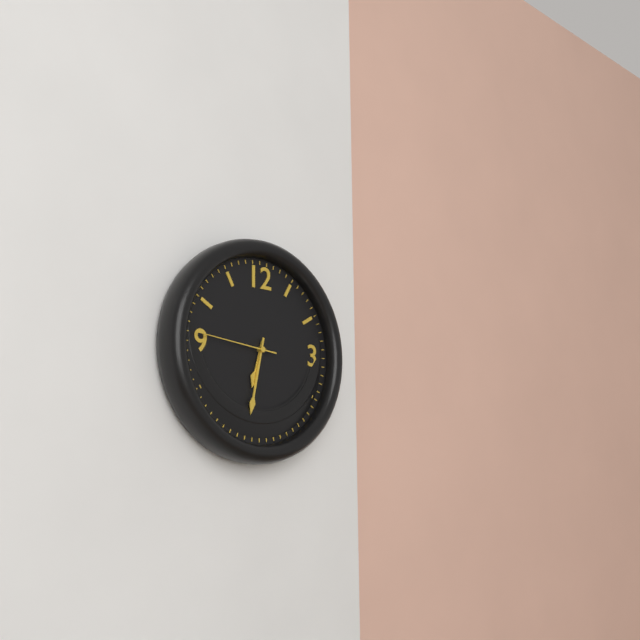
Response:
6h32m46s
